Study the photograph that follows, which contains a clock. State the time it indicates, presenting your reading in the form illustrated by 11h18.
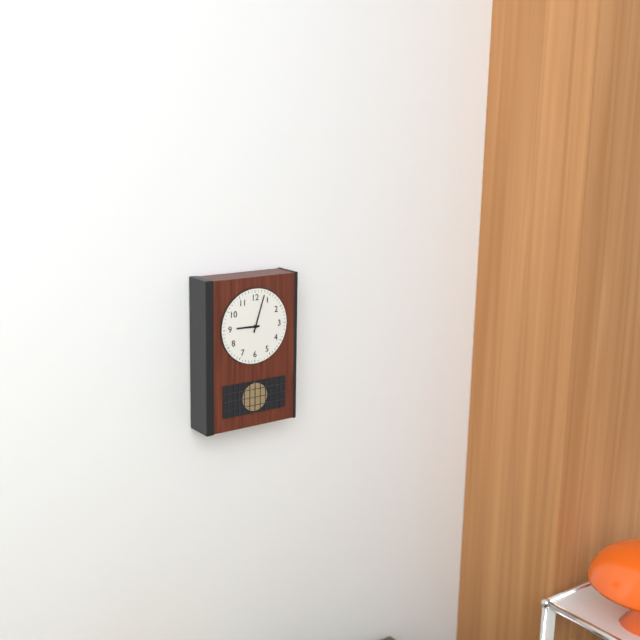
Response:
9h03
